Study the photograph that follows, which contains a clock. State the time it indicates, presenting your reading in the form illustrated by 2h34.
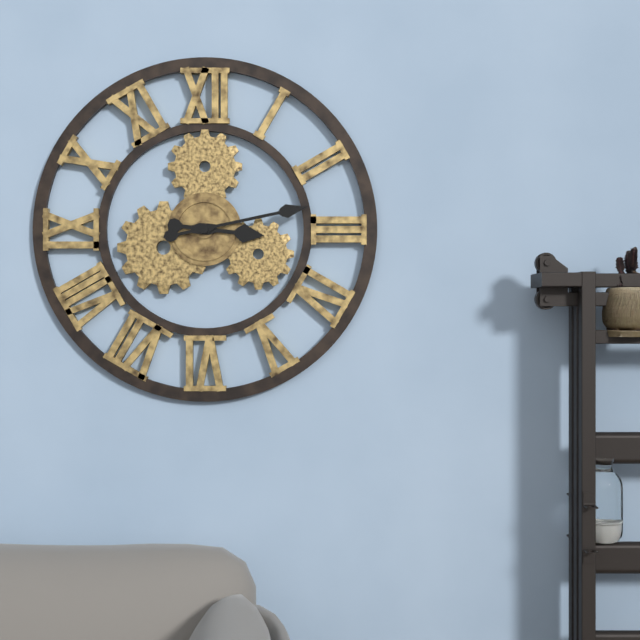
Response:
3h13
